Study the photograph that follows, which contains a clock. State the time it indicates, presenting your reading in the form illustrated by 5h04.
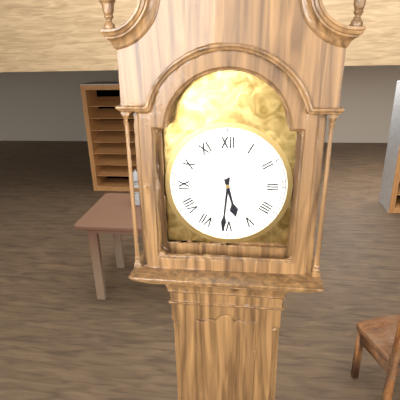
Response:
5h31
